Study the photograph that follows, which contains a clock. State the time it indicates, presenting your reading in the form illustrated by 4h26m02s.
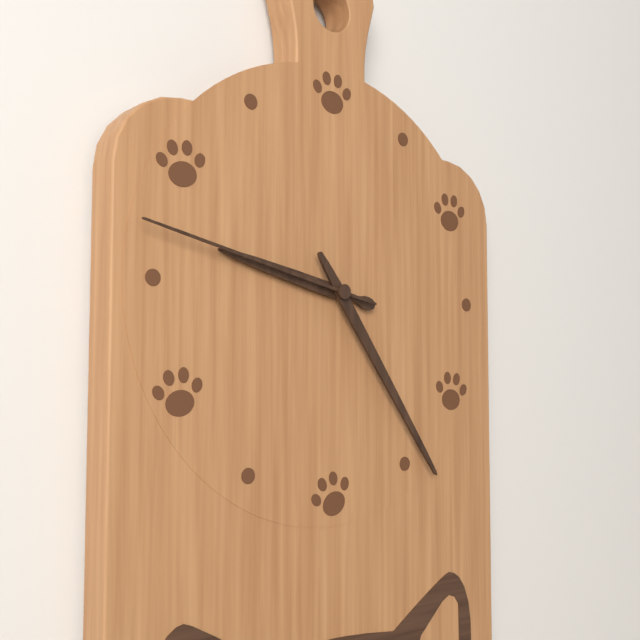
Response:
9h24m47s
